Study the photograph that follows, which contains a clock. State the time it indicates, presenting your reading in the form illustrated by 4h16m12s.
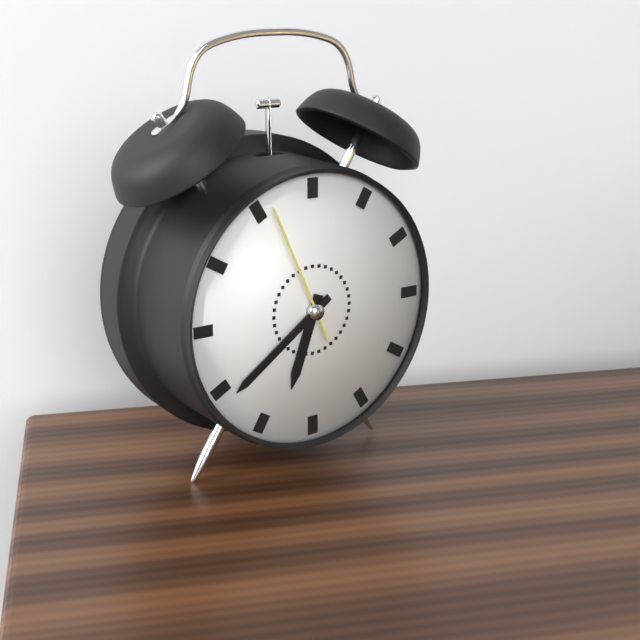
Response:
6h39m56s
